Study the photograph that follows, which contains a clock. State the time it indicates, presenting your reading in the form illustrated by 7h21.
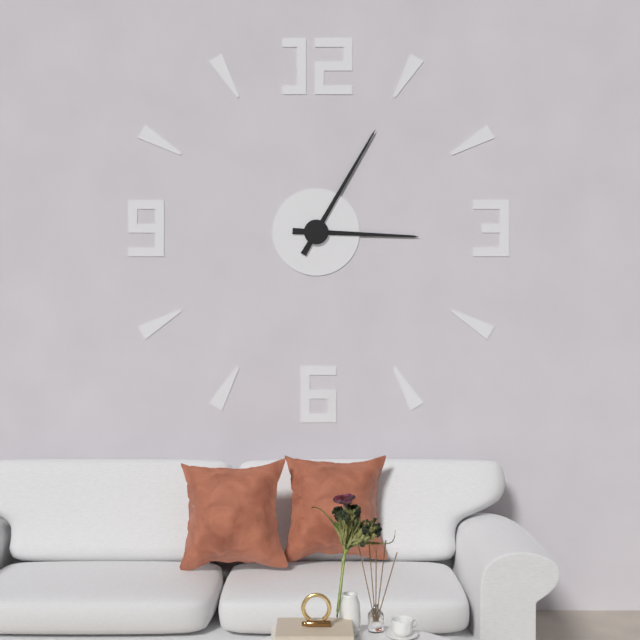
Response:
3h05
